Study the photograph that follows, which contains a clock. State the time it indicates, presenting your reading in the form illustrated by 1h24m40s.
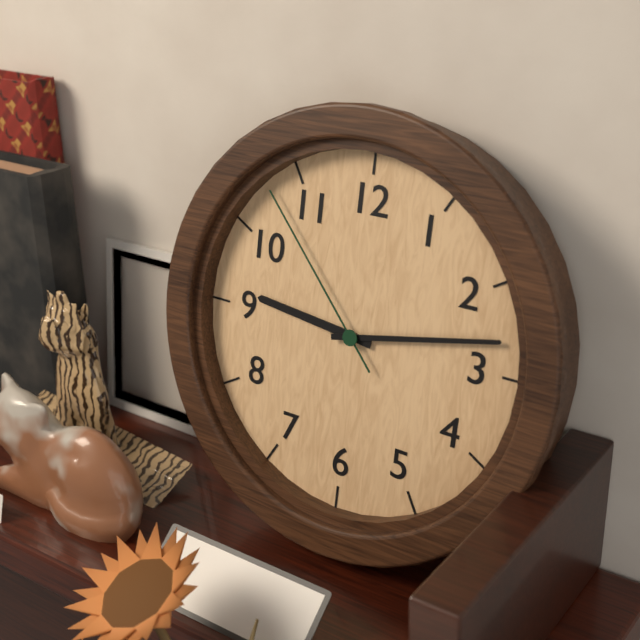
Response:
9h13m53s
